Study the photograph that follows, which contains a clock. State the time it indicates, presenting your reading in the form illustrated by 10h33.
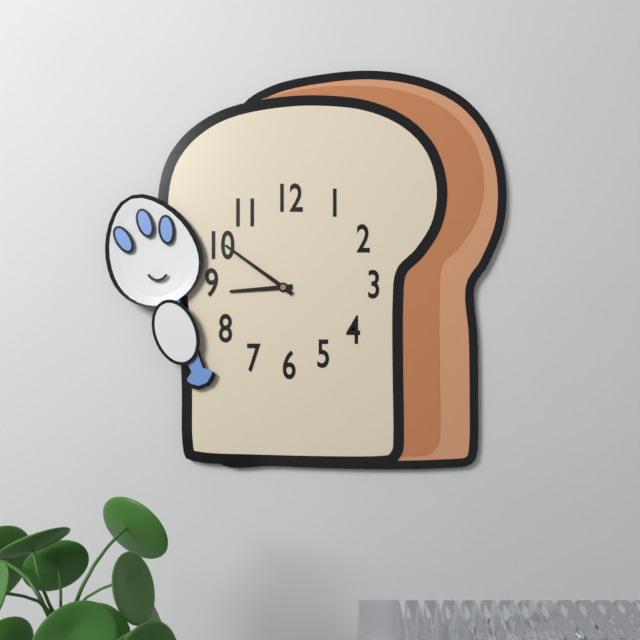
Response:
8h51
